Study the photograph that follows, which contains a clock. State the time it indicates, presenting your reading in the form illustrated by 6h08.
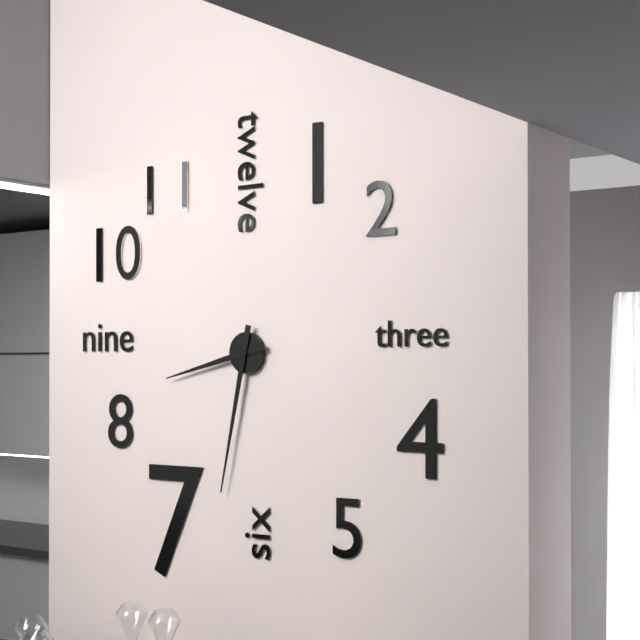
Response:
8h32
